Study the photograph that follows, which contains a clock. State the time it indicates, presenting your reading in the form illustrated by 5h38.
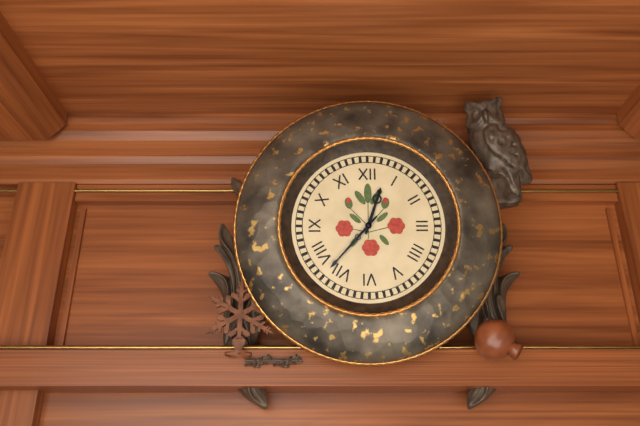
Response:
12h37
